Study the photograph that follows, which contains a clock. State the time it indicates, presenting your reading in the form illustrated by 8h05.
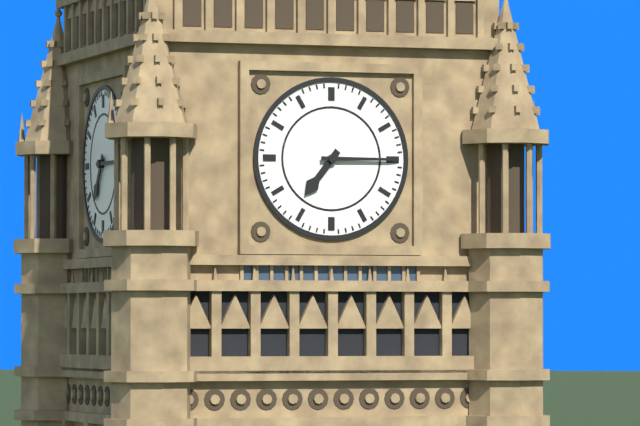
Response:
7h15
